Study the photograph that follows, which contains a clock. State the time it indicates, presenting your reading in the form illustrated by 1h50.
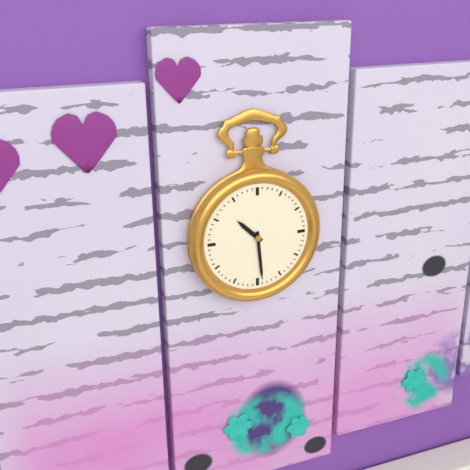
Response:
10h29
